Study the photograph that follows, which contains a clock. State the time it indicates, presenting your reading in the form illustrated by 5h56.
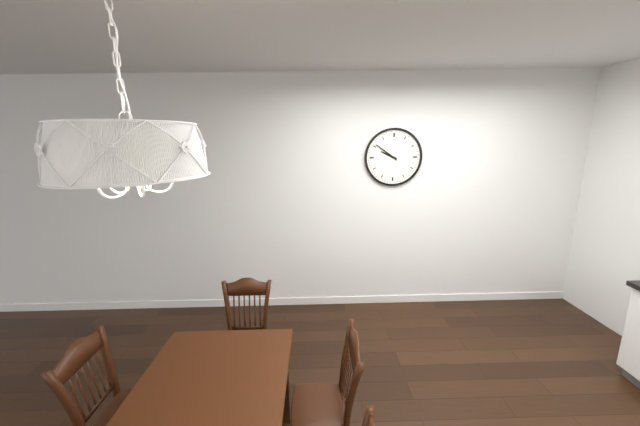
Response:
9h51
